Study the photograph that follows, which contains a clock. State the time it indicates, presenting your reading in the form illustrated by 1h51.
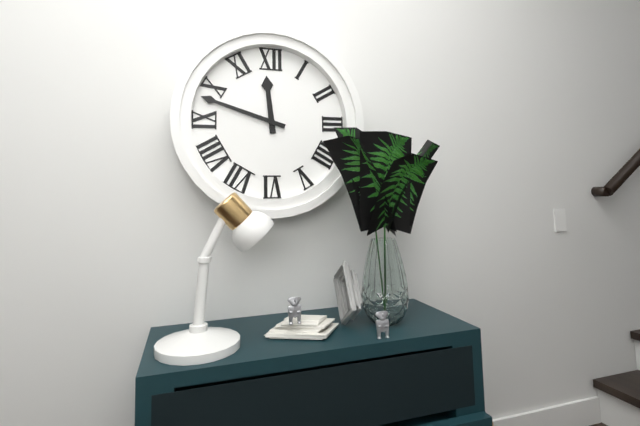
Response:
11h48
